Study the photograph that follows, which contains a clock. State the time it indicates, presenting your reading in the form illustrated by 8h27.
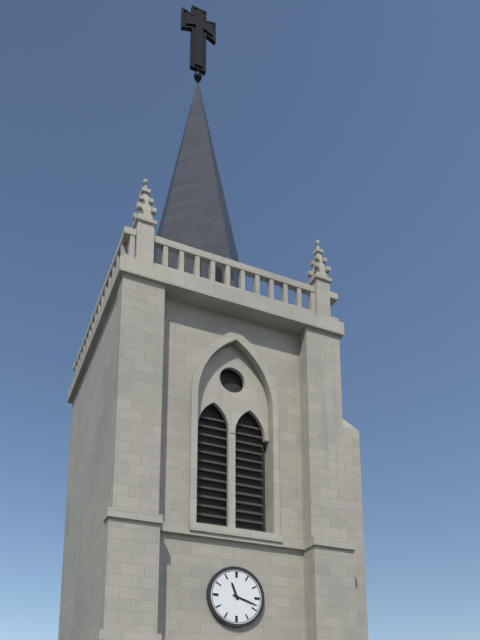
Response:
11h18
